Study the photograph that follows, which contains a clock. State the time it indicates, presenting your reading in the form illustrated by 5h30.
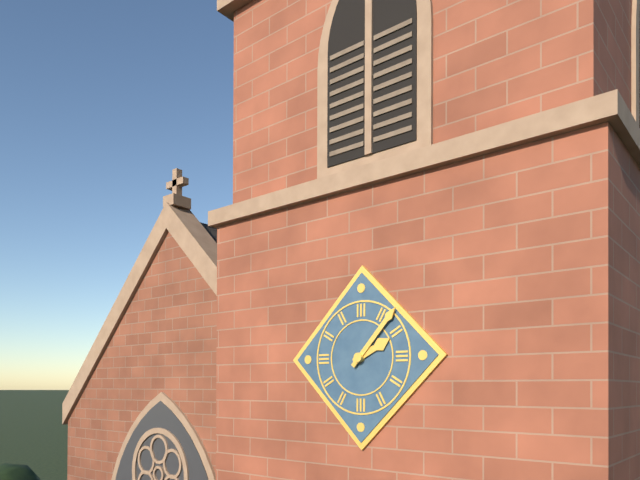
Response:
2h07
